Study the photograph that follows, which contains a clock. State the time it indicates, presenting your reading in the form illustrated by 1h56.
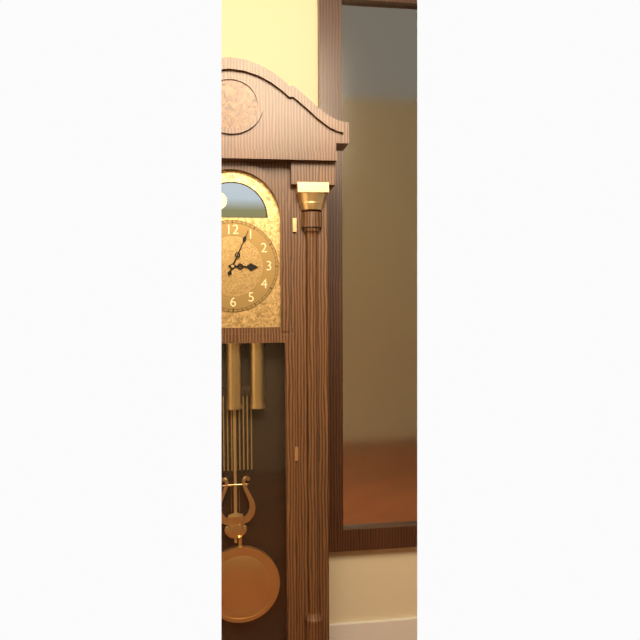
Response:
3h04
